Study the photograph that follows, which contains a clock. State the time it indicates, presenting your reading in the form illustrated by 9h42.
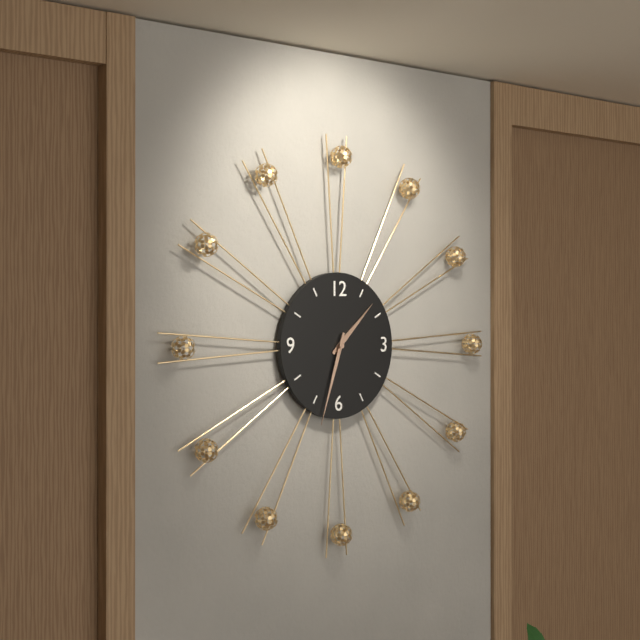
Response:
1h33
